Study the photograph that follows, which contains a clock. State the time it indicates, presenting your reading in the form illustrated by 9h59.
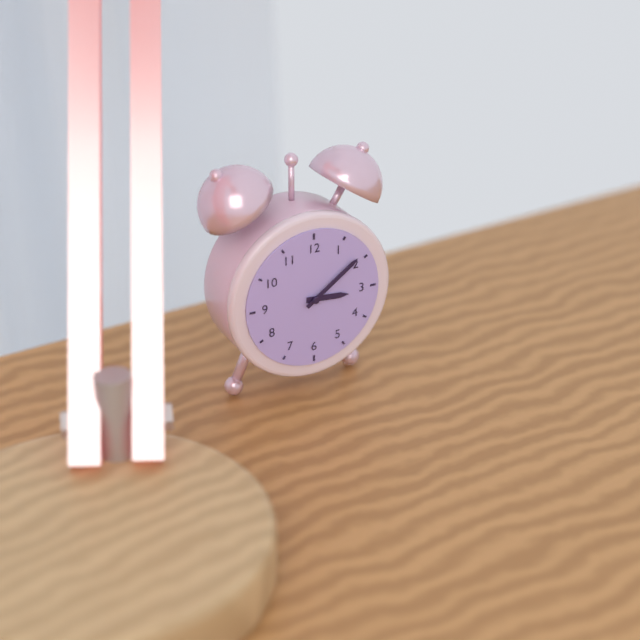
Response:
3h09
